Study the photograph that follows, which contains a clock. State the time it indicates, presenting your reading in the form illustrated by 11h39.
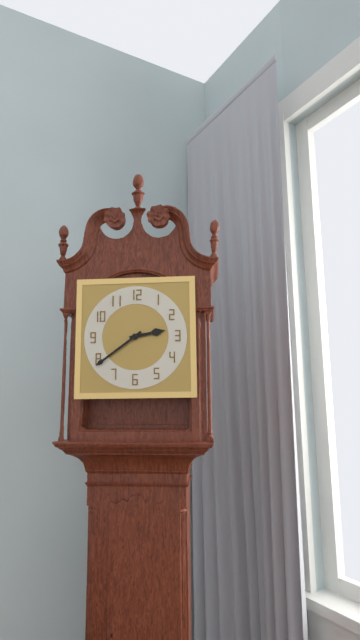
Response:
2h39
